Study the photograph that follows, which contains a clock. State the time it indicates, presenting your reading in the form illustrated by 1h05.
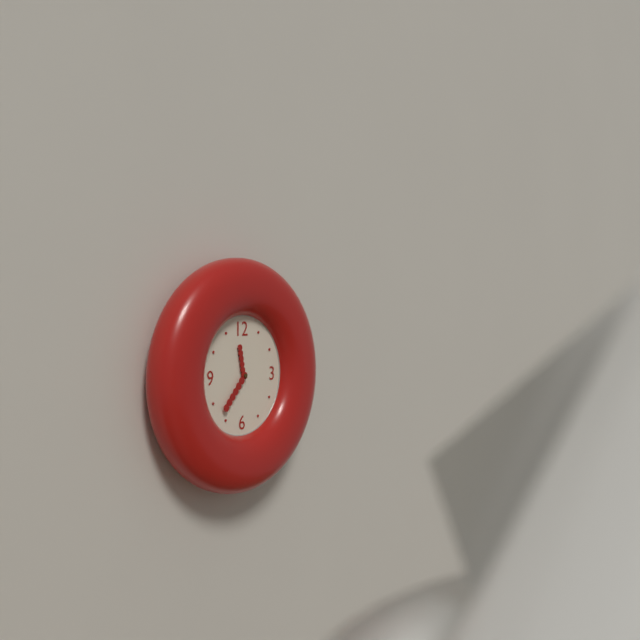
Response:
11h37
